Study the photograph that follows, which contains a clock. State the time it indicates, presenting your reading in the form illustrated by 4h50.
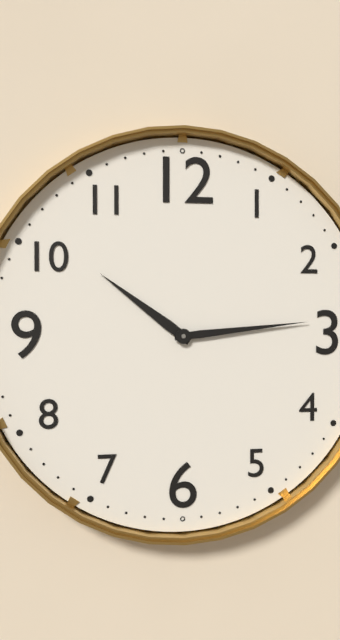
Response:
10h14
